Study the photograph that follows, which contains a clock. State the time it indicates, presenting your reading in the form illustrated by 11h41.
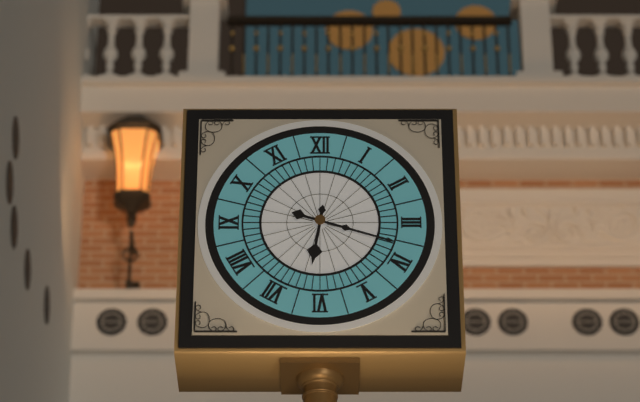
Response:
6h18
